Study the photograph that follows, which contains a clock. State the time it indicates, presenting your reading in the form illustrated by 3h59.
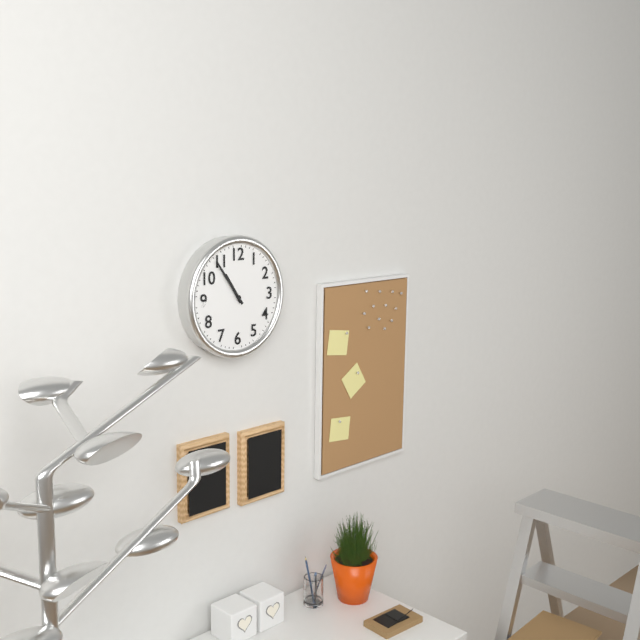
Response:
10h54
